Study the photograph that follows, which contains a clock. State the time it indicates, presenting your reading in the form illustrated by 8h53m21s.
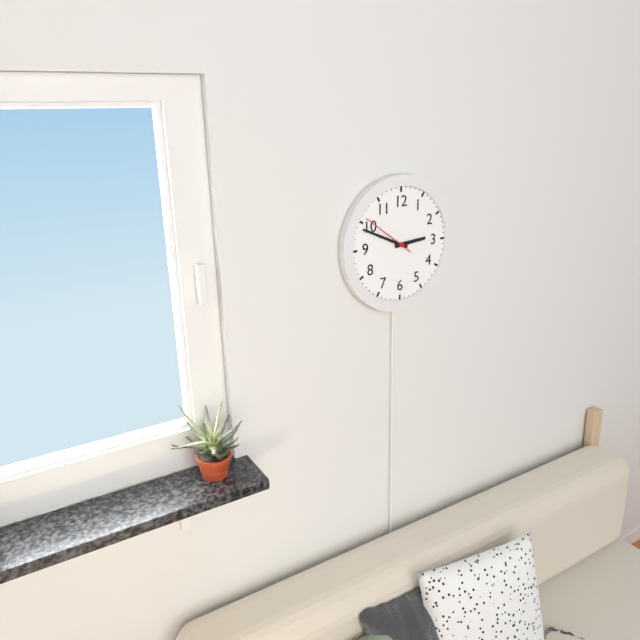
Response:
2h49m51s
